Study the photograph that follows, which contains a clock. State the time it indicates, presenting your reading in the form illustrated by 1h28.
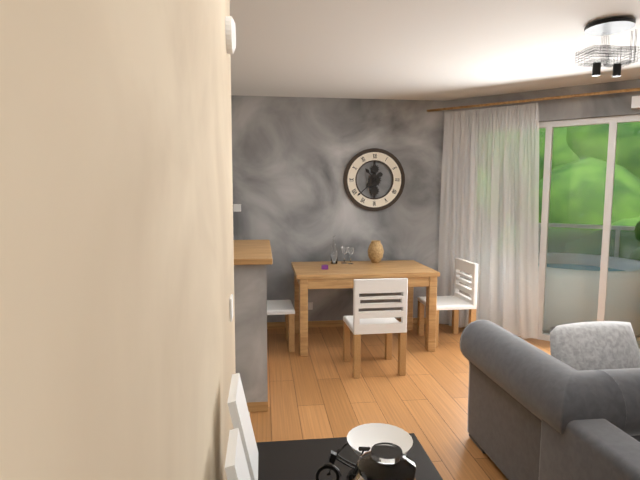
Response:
10h38
